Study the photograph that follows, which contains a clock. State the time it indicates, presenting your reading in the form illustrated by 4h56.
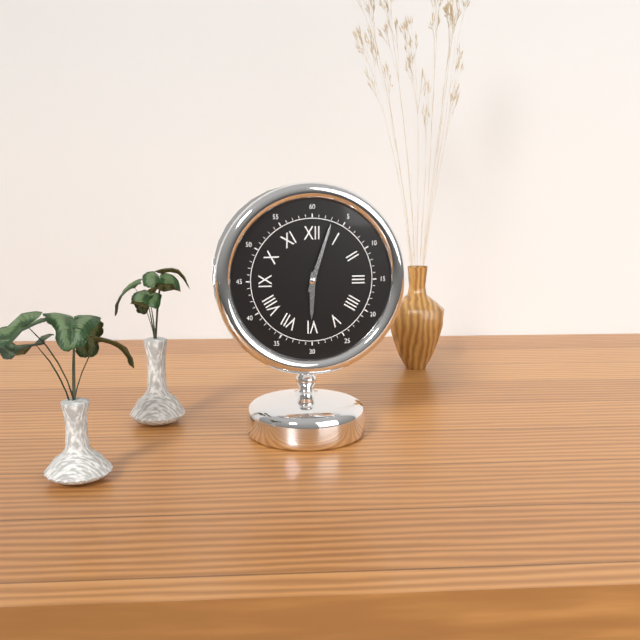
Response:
6h03
